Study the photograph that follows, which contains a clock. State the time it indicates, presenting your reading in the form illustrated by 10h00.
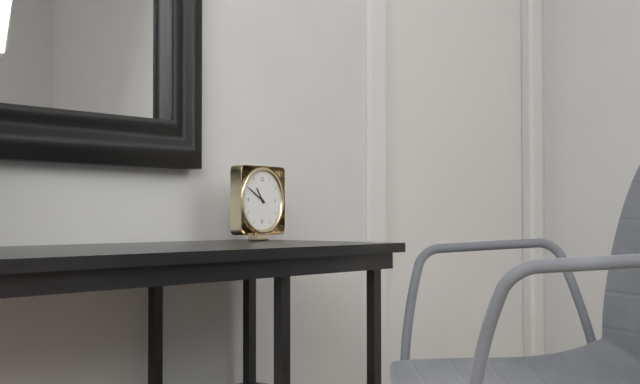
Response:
10h50
